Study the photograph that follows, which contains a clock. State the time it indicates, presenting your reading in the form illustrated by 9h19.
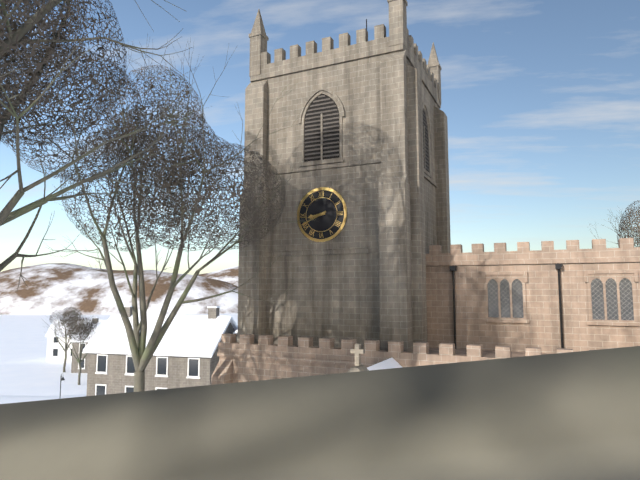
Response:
8h41
